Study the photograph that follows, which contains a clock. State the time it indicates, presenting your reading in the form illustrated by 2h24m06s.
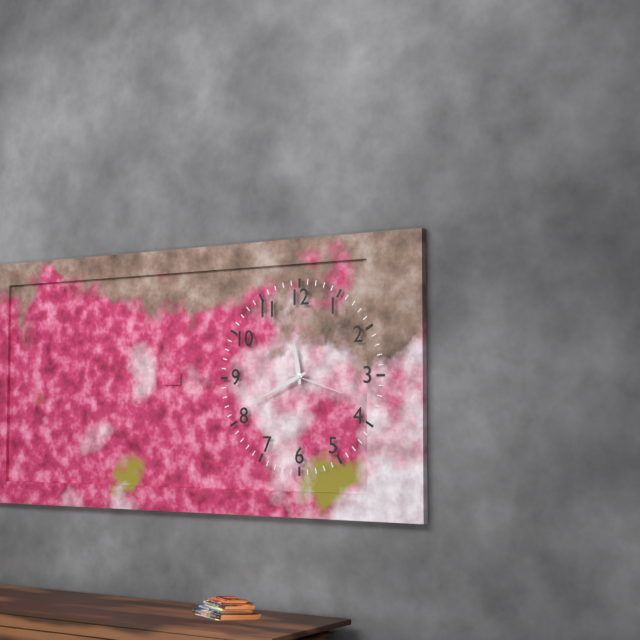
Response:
11h41m18s
